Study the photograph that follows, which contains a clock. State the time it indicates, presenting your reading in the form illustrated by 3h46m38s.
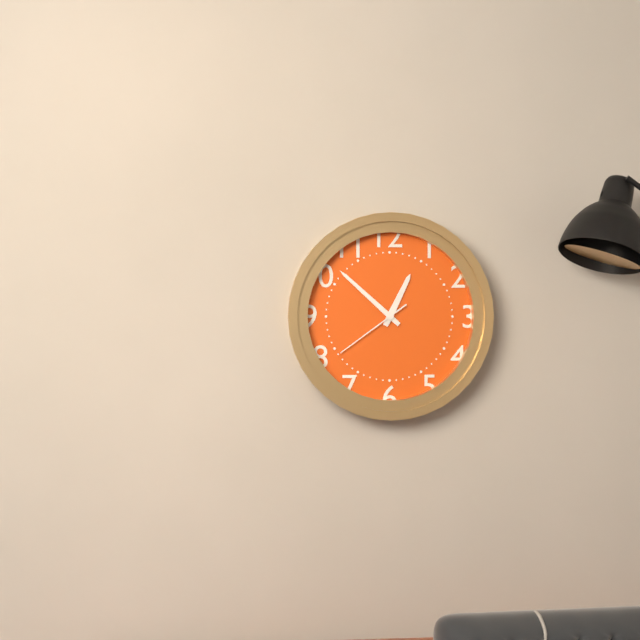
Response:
12h52m39s
